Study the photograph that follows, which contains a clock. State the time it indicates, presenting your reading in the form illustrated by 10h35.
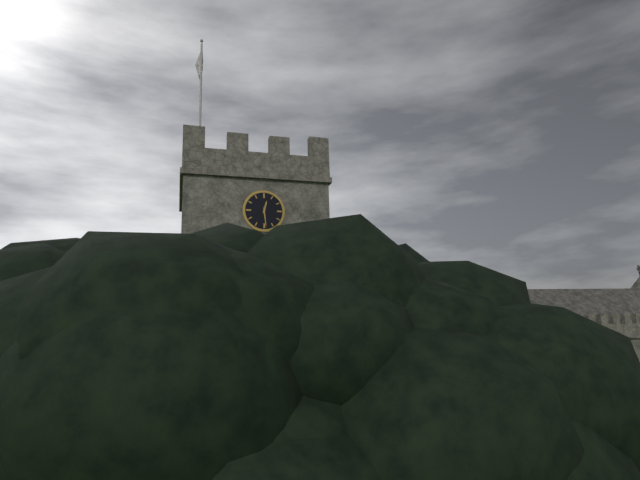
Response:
12h29
